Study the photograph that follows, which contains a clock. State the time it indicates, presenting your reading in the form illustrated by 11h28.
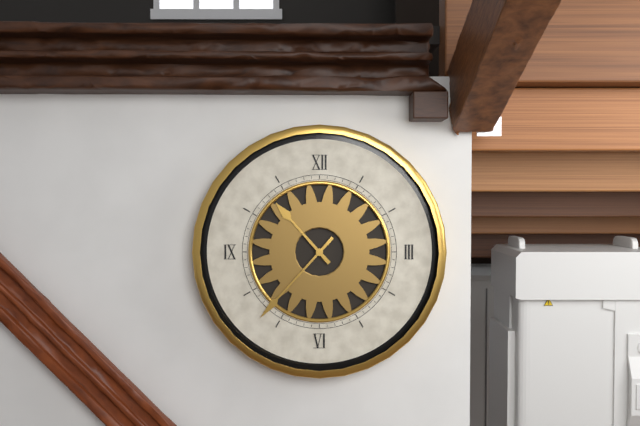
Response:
10h37
